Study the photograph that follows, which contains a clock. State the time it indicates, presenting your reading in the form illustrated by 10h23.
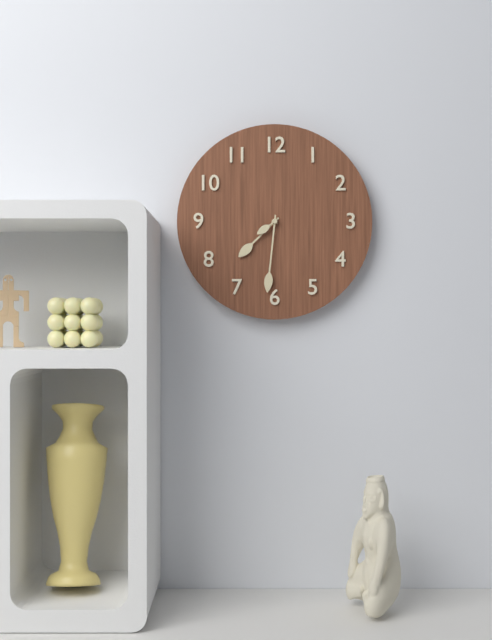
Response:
7h31
